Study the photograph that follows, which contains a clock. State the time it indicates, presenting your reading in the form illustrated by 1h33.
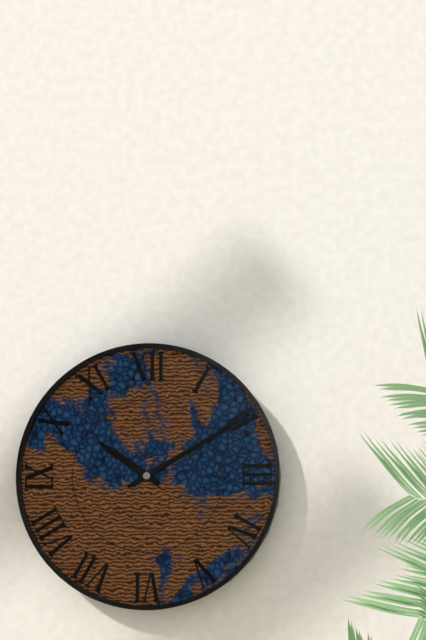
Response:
10h10
